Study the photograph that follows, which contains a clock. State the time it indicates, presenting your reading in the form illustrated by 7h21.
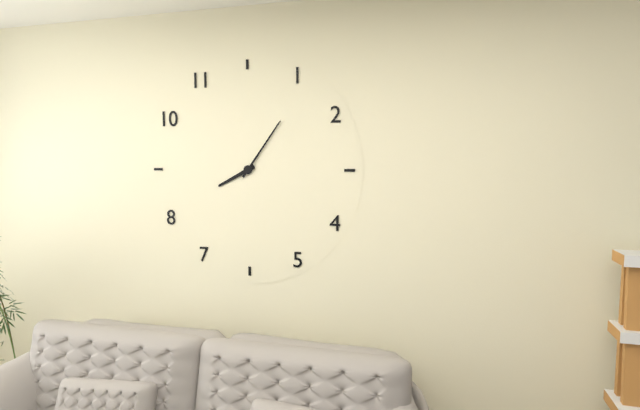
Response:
8h06
